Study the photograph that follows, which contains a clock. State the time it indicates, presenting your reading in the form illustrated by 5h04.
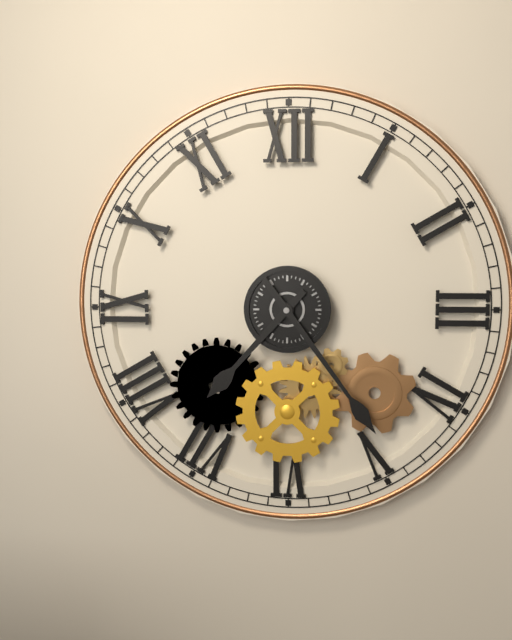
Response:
7h24
